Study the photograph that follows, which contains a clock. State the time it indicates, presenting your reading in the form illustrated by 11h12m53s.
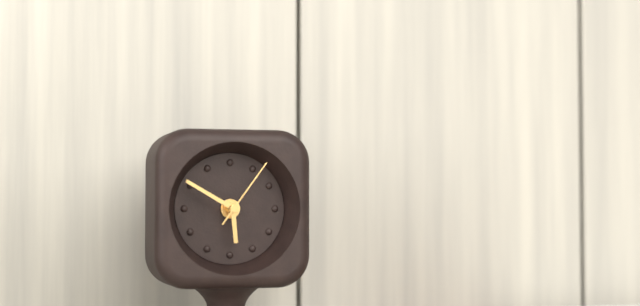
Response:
5h50m06s
